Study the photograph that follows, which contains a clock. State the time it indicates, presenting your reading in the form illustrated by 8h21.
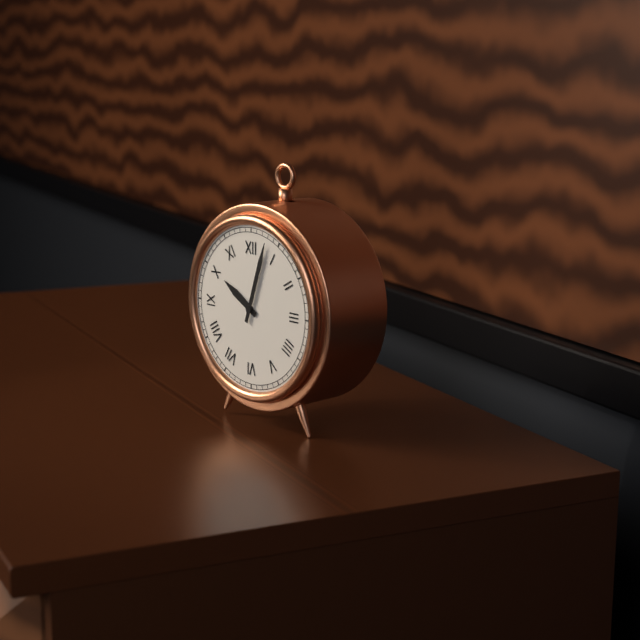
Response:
10h03
